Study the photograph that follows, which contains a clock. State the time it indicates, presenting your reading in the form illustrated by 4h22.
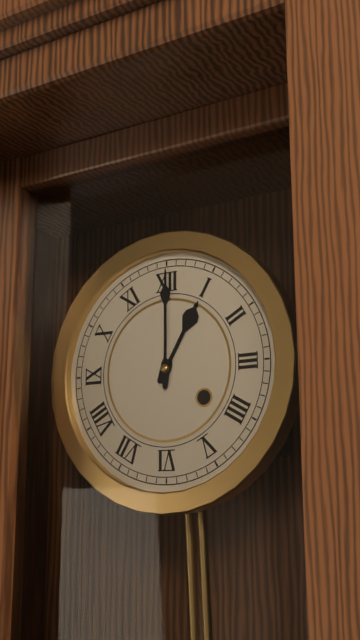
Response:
1h00
